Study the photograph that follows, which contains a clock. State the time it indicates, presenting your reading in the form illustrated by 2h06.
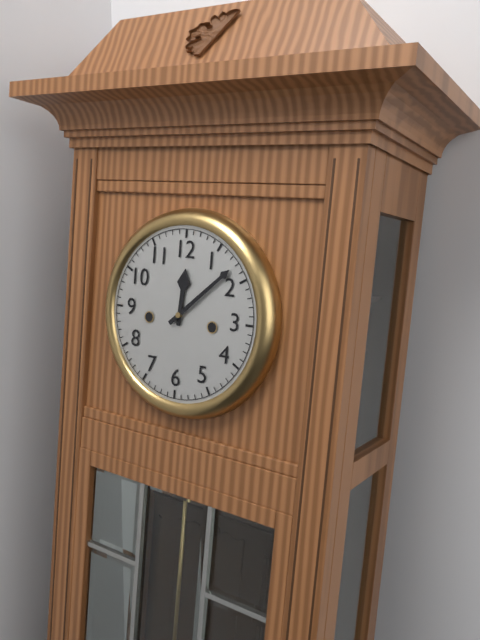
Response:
12h08
